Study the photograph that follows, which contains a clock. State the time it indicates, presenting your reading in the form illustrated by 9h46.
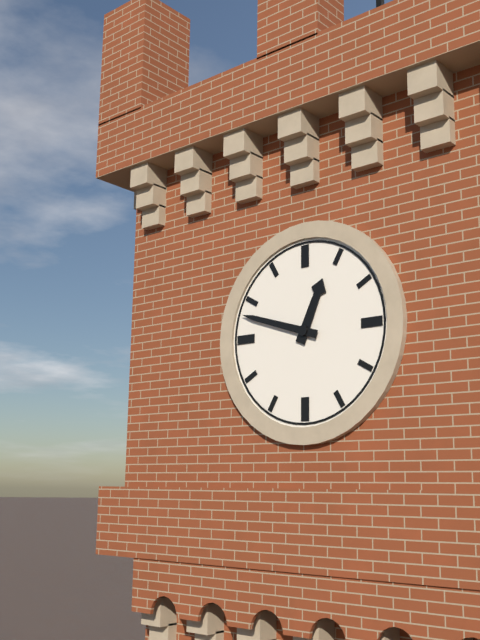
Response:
12h48
